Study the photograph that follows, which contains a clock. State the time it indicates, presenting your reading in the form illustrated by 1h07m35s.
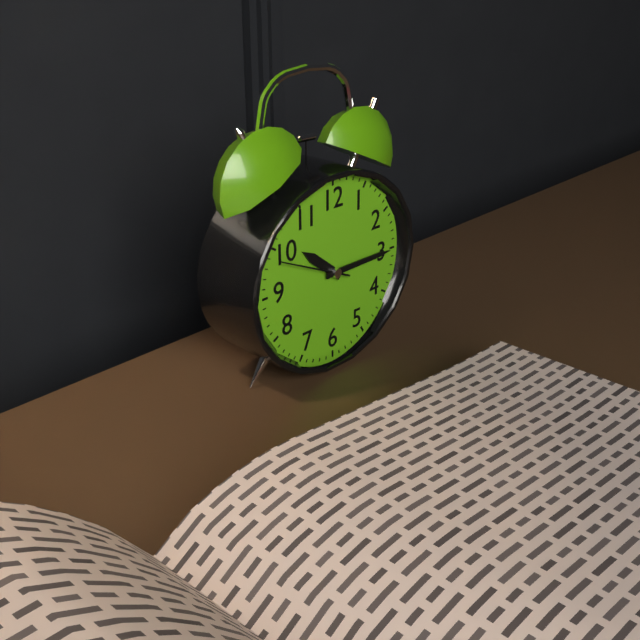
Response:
10h15m49s
